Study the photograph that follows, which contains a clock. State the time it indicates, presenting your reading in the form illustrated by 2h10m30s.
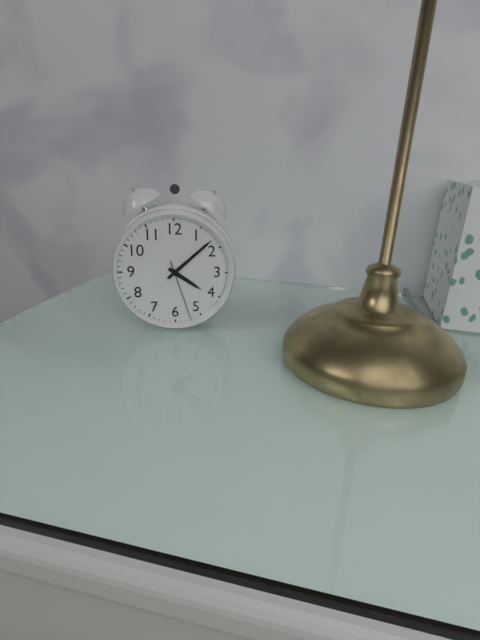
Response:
4h08m27s
